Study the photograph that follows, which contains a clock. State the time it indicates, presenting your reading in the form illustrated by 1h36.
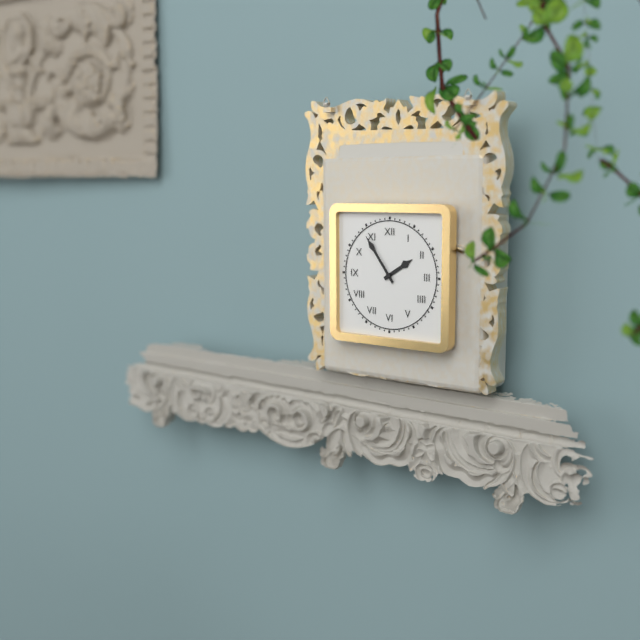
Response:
1h54
